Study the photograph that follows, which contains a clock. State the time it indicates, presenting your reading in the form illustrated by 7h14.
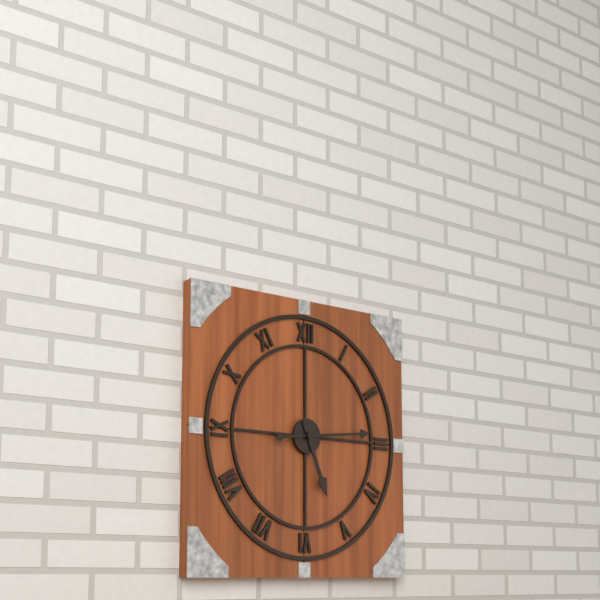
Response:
5h14
